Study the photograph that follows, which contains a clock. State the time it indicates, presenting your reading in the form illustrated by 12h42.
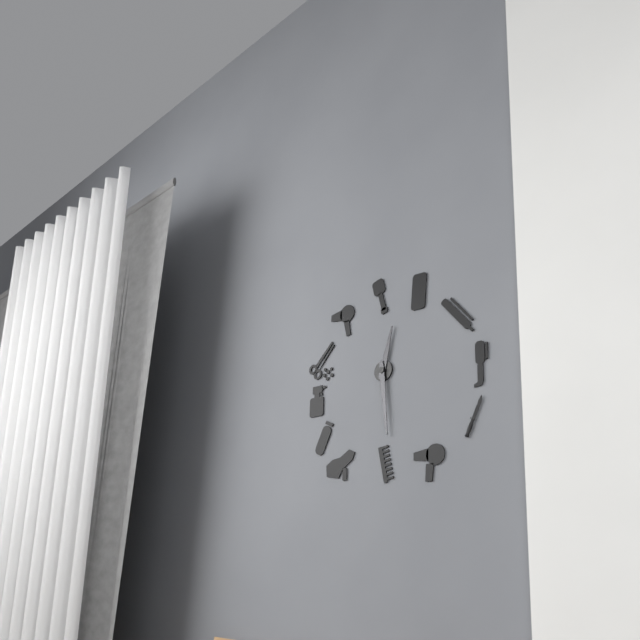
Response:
12h29
